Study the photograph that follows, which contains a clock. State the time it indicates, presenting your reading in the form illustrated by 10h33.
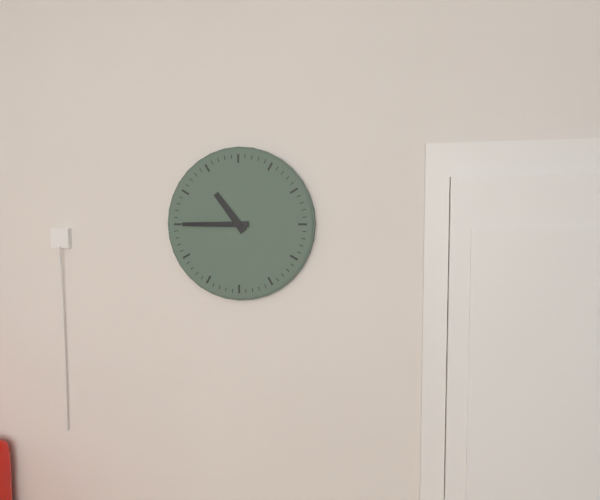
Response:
10h45
